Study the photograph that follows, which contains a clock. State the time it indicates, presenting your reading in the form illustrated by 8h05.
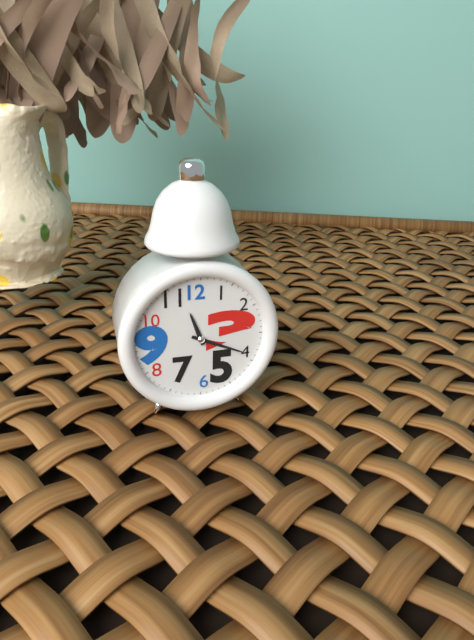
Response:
11h19
